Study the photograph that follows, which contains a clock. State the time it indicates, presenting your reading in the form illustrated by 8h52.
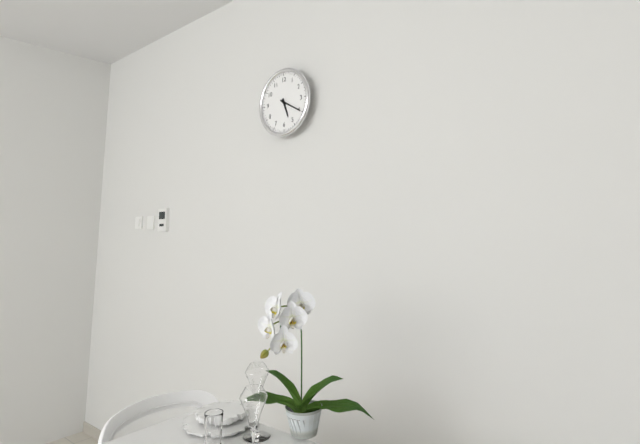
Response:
5h20
